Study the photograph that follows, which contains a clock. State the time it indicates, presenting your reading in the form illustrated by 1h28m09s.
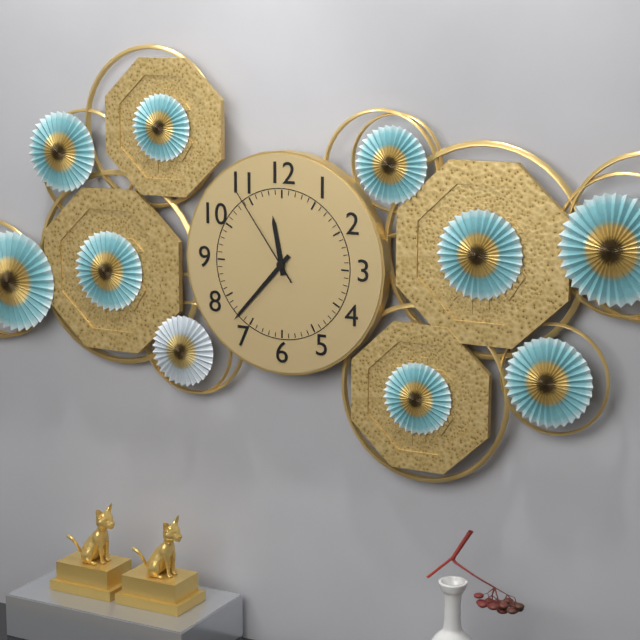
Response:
11h37m54s
